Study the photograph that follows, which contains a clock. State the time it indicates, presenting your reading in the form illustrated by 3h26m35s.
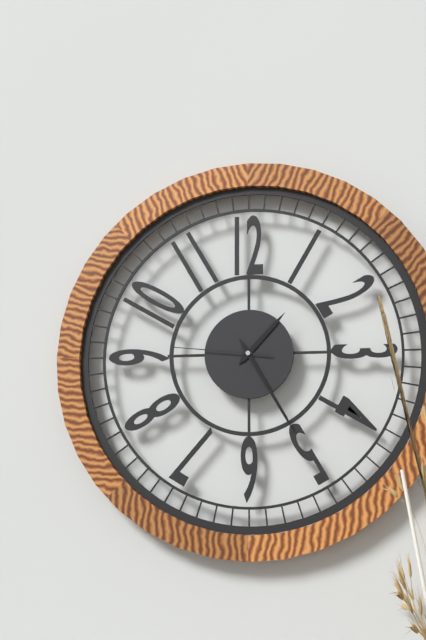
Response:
1h25m46s
